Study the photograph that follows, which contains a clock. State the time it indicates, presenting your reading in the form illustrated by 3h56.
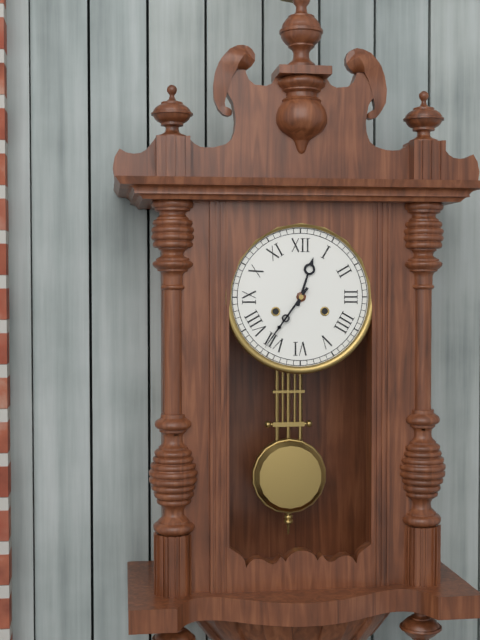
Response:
12h36
